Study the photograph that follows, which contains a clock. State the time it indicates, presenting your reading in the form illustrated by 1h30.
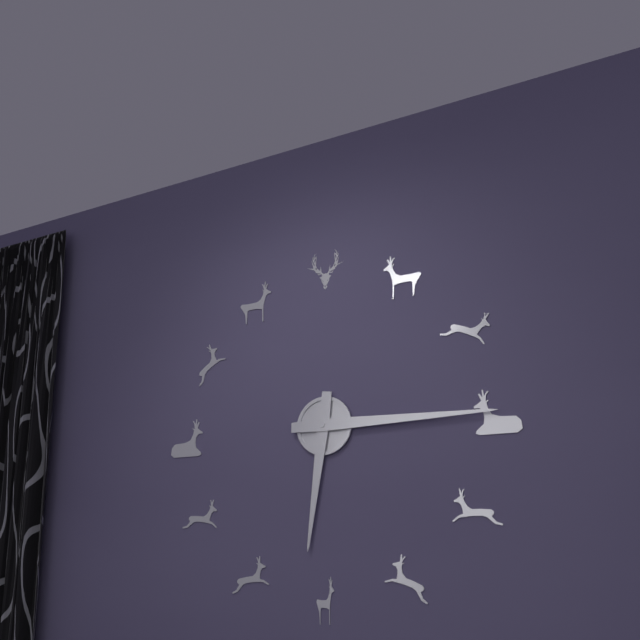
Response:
6h15
